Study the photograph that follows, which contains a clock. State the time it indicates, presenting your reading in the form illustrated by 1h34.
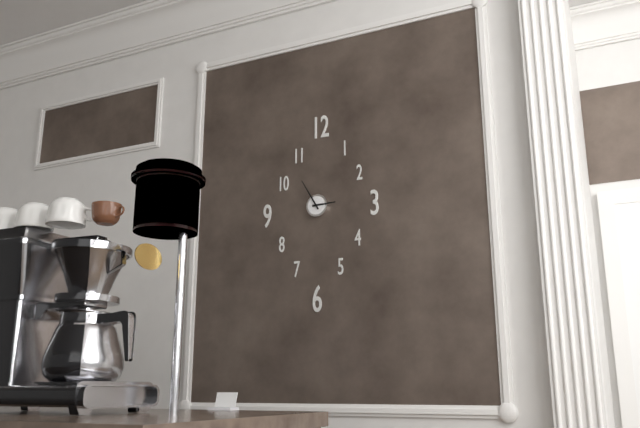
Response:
2h55
